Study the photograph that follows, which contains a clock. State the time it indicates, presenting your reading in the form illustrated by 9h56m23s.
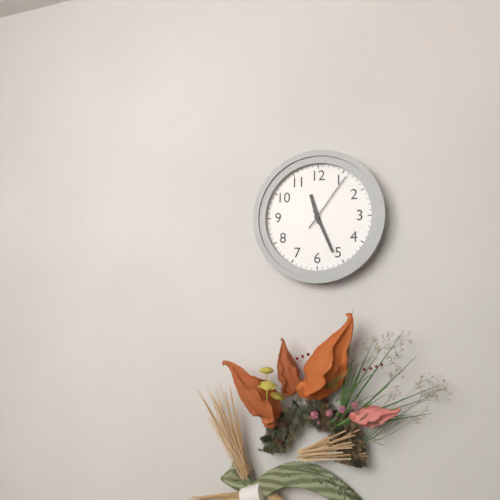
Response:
11h26m06s
